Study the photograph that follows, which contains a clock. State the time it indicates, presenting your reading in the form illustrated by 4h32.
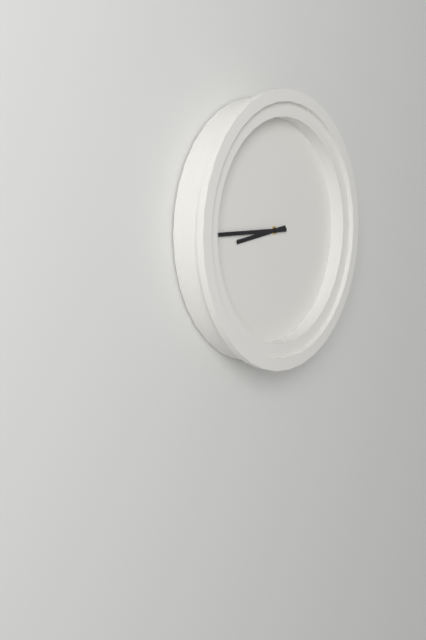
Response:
8h45
